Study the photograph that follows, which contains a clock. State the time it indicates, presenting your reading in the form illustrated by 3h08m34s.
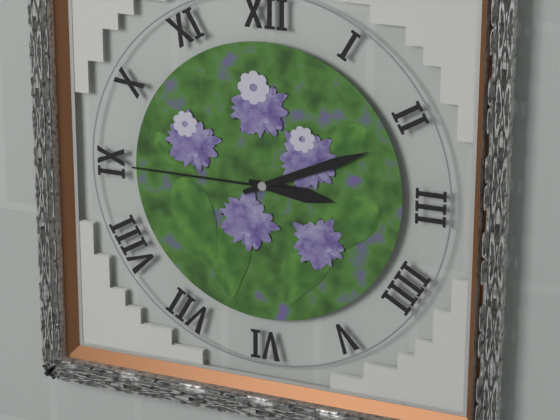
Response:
3h11m45s
